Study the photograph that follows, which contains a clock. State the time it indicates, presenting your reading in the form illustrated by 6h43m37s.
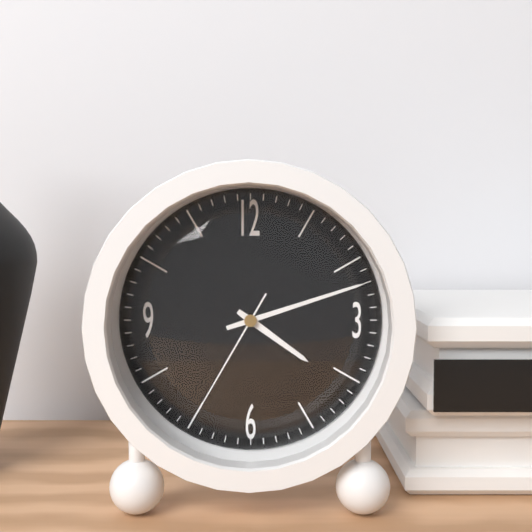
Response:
4h12m35s
